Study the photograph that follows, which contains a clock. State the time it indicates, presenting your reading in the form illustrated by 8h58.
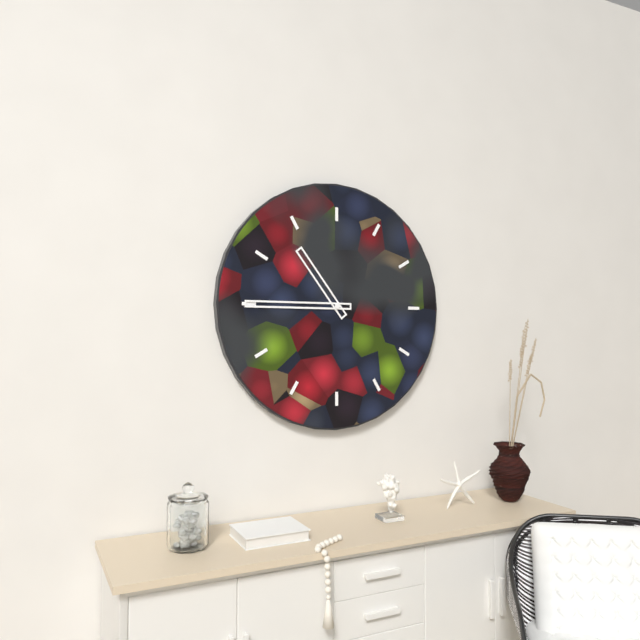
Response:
10h45
